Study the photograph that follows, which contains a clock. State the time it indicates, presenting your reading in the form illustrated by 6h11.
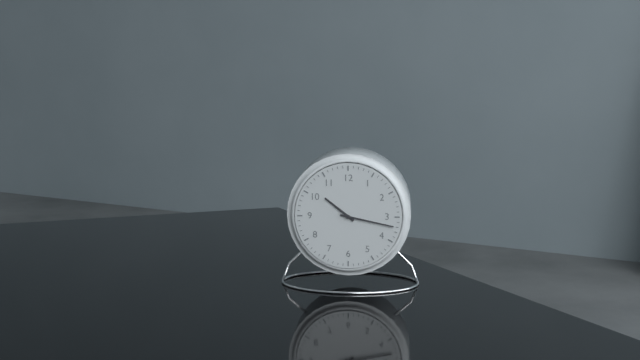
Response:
10h17
